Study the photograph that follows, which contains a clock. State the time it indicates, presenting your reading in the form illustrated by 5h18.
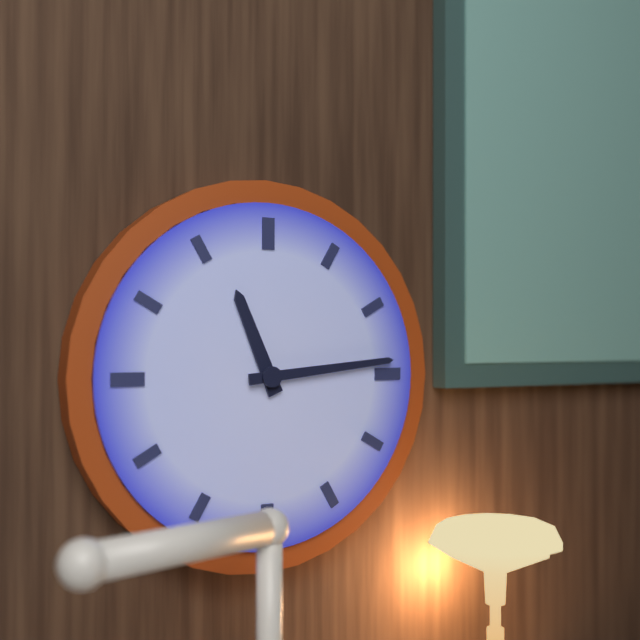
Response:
11h14
